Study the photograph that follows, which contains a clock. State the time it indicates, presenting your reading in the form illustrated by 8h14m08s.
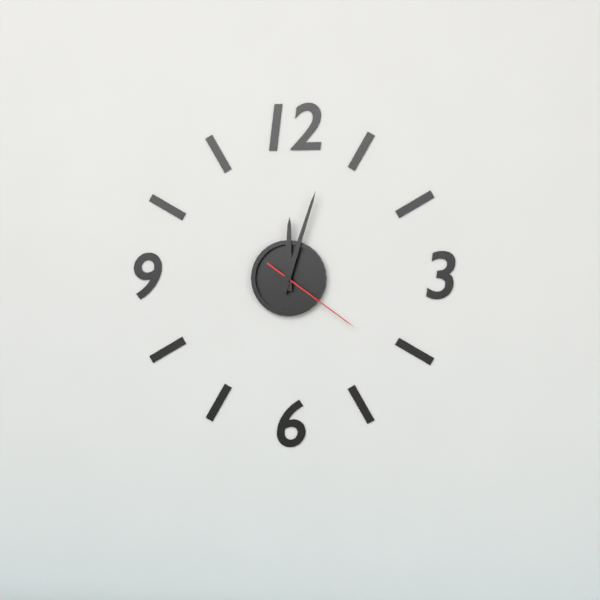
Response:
12h03m21s
